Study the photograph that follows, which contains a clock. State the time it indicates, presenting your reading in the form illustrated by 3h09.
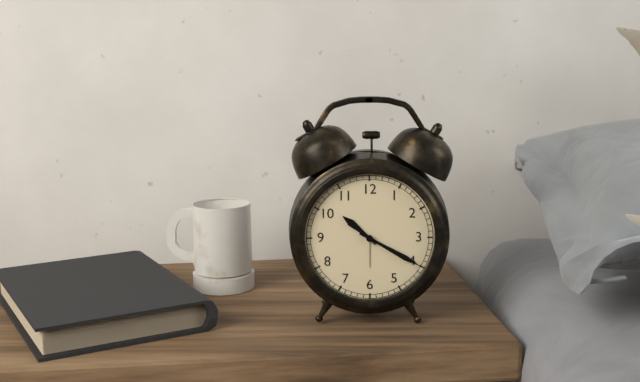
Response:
10h20
